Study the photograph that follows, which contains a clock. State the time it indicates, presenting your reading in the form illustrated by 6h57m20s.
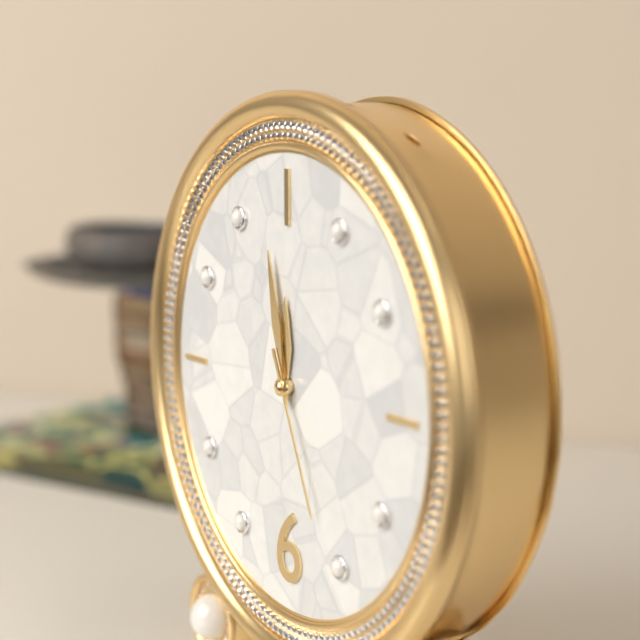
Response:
11h58m26s
